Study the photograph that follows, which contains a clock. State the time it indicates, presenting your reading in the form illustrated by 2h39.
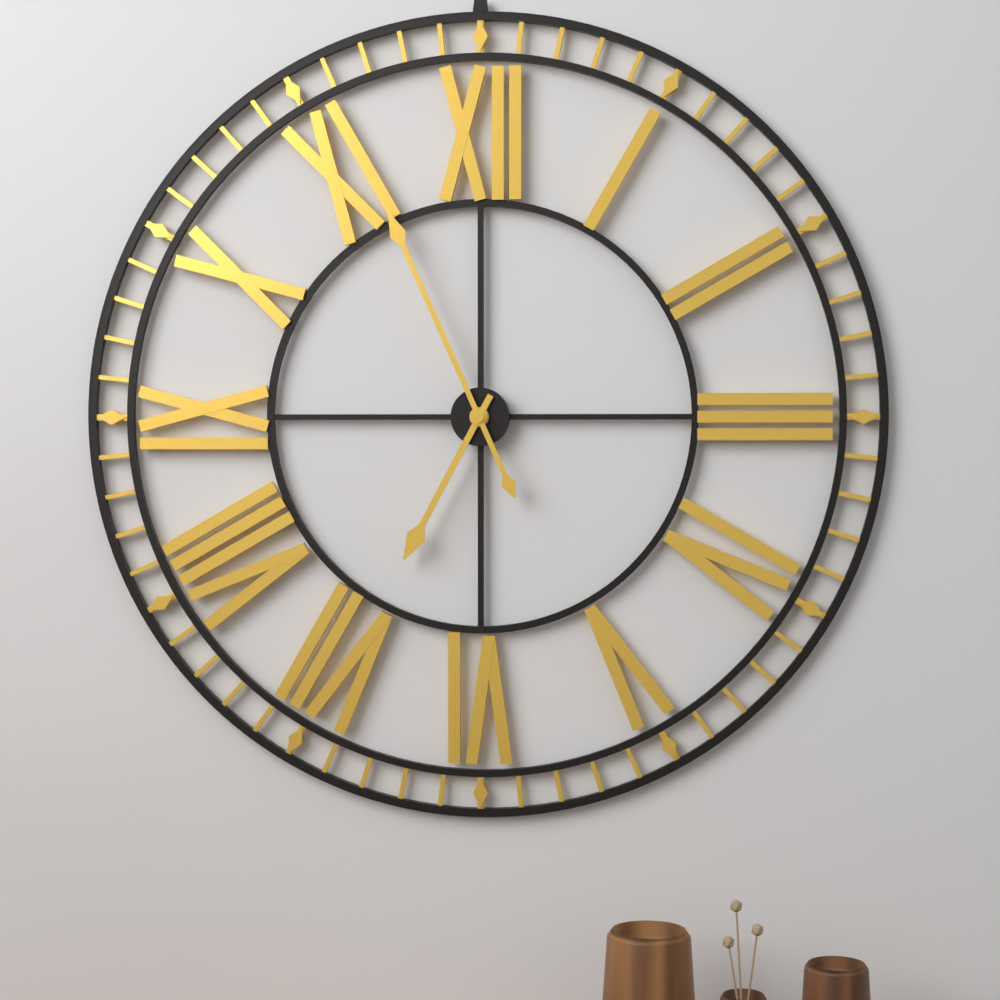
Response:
6h56
